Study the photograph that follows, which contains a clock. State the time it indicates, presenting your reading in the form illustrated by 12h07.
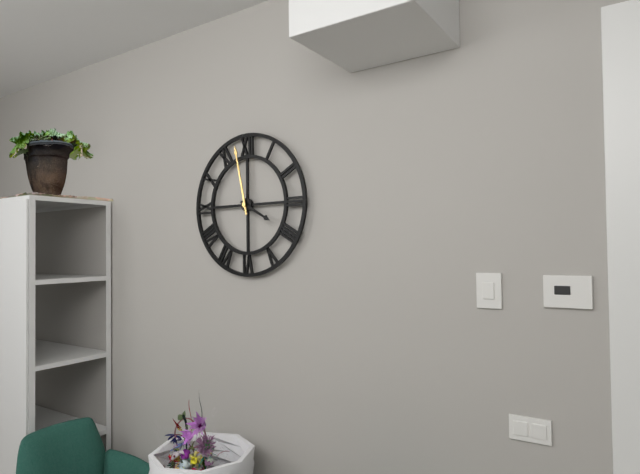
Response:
3h58
